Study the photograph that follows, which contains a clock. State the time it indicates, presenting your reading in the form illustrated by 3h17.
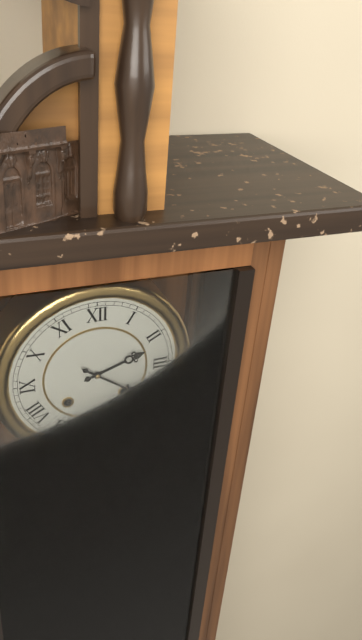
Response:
2h21
